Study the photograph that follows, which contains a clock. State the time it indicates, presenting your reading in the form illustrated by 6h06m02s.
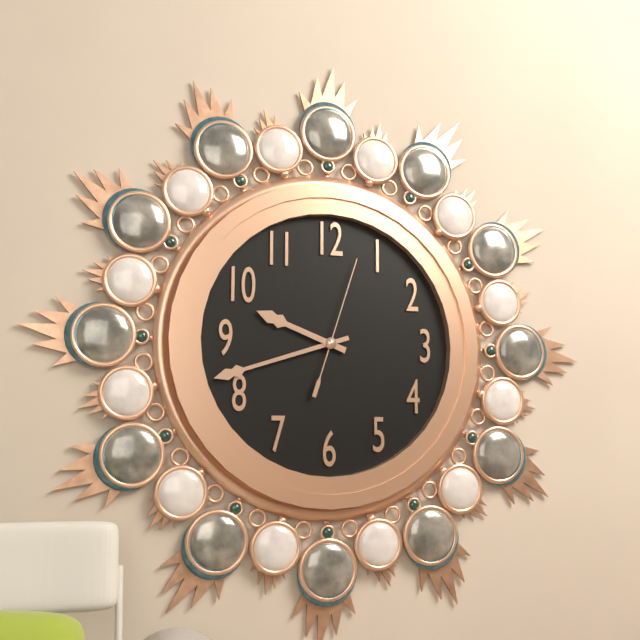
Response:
9h42m03s
